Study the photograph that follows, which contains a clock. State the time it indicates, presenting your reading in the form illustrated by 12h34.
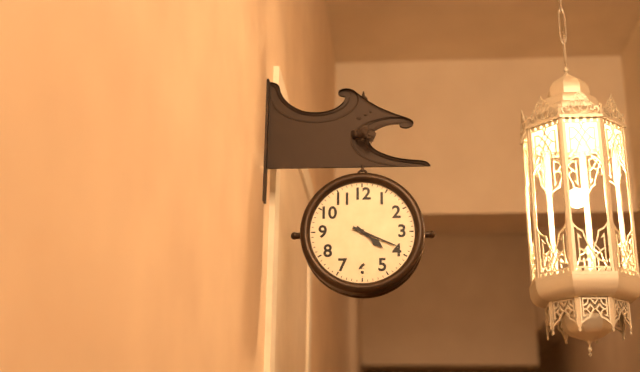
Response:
4h19
